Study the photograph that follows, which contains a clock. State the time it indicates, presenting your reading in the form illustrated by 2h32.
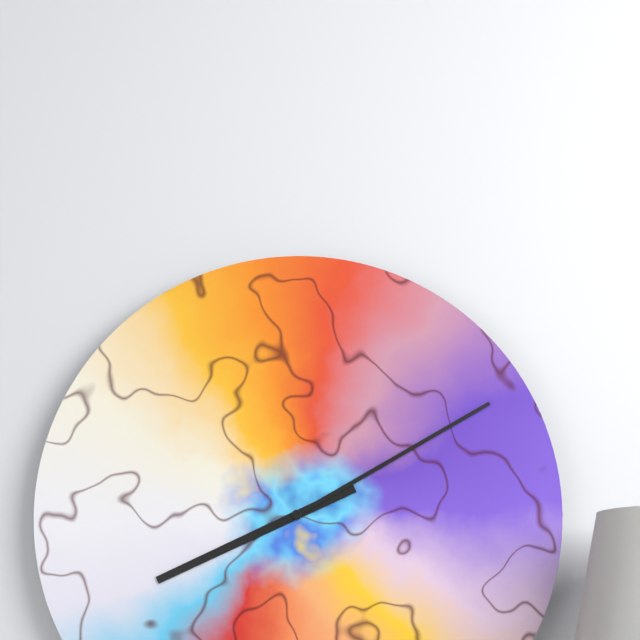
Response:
8h10
